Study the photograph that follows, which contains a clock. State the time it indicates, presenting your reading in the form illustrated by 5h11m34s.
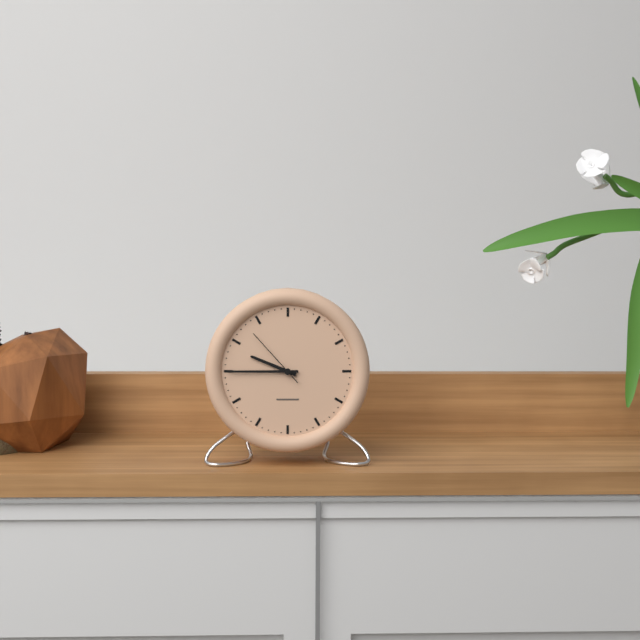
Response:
9h45m53s
